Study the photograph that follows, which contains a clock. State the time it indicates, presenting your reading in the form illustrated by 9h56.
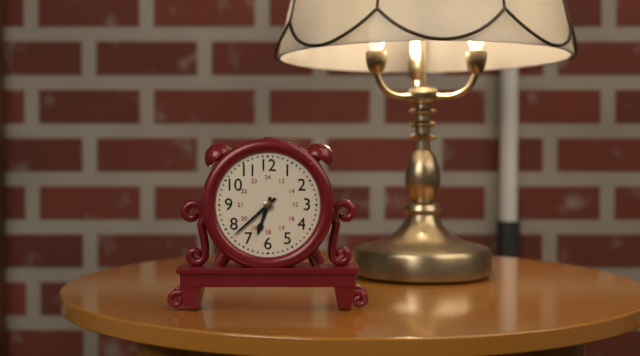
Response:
6h38
